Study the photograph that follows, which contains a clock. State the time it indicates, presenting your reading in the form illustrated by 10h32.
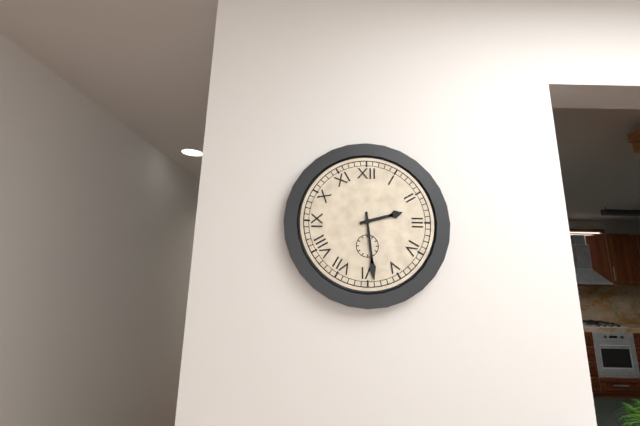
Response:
2h29
